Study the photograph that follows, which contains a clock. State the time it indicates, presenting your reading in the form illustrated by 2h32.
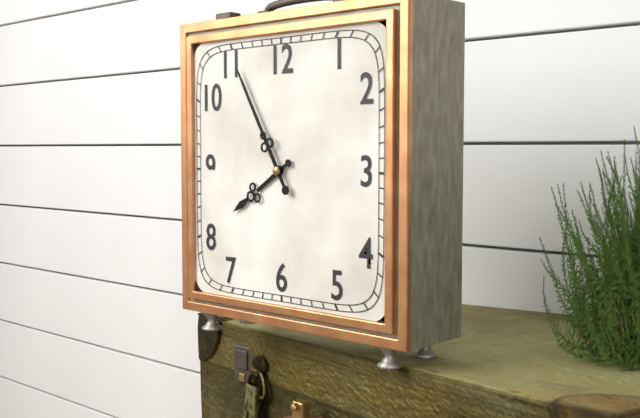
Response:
7h55
